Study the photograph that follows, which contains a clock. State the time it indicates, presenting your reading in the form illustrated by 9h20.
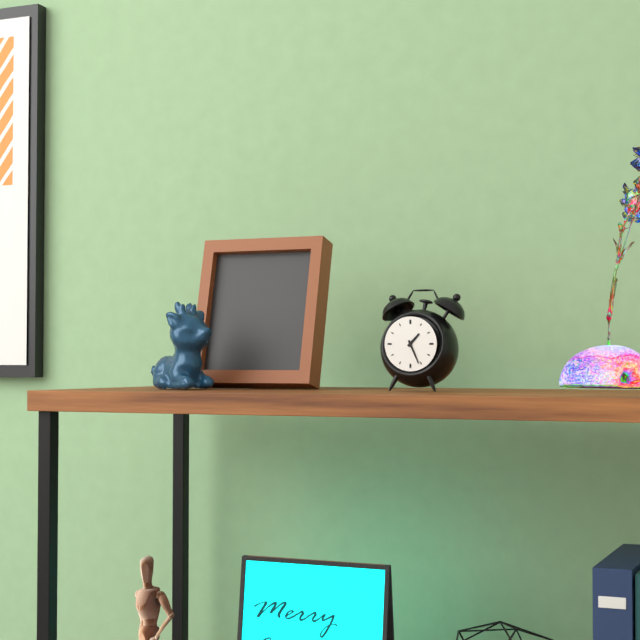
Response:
1h26
